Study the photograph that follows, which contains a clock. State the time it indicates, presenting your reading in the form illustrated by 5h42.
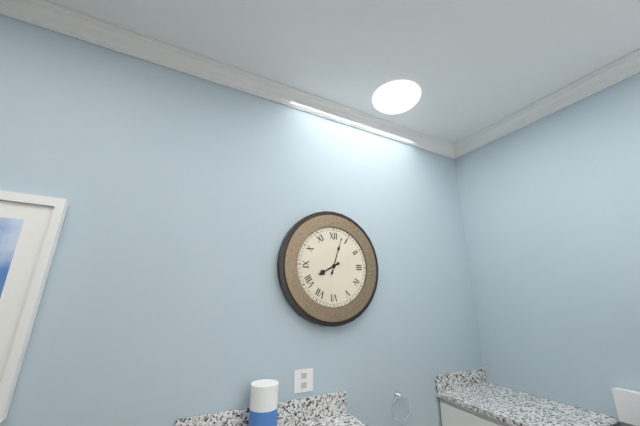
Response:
8h03
